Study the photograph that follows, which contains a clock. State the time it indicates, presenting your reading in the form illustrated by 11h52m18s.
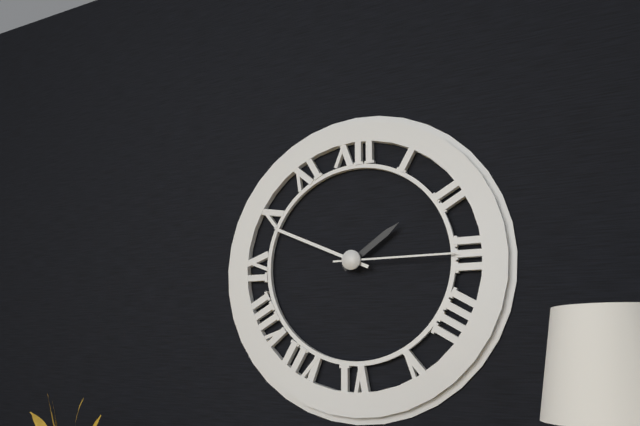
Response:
1h49m15s
